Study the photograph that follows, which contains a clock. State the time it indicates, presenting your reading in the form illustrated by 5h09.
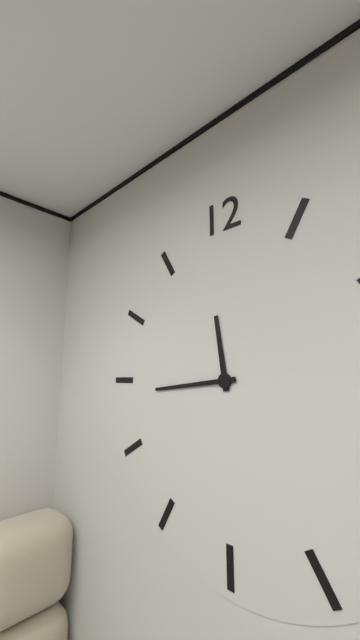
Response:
11h44
